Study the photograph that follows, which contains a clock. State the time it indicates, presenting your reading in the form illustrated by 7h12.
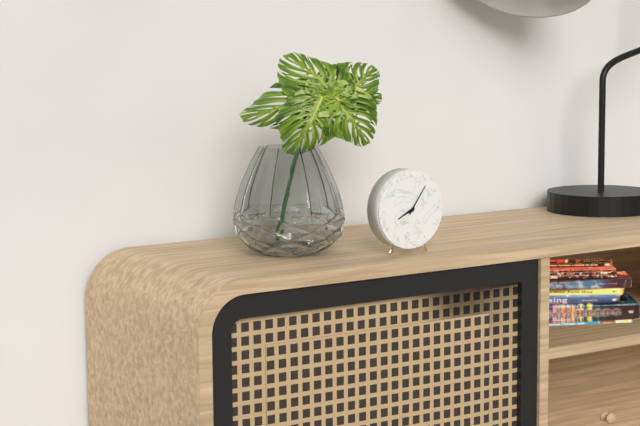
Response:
8h06
